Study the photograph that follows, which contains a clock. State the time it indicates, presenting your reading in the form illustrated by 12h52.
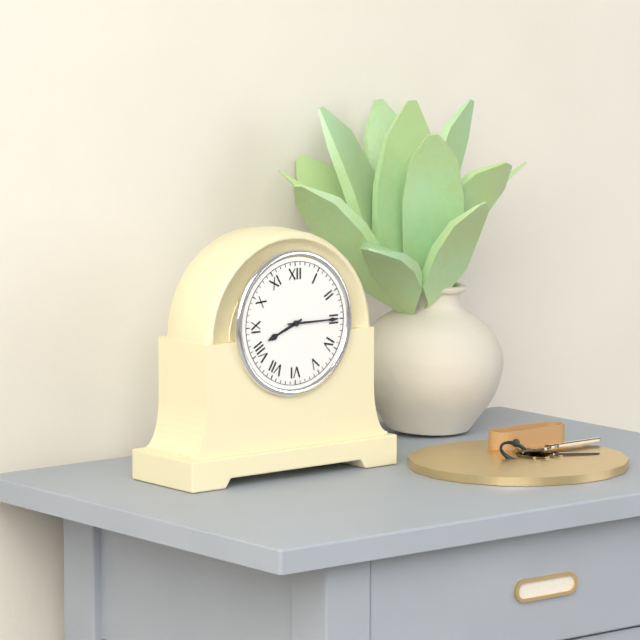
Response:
8h15
